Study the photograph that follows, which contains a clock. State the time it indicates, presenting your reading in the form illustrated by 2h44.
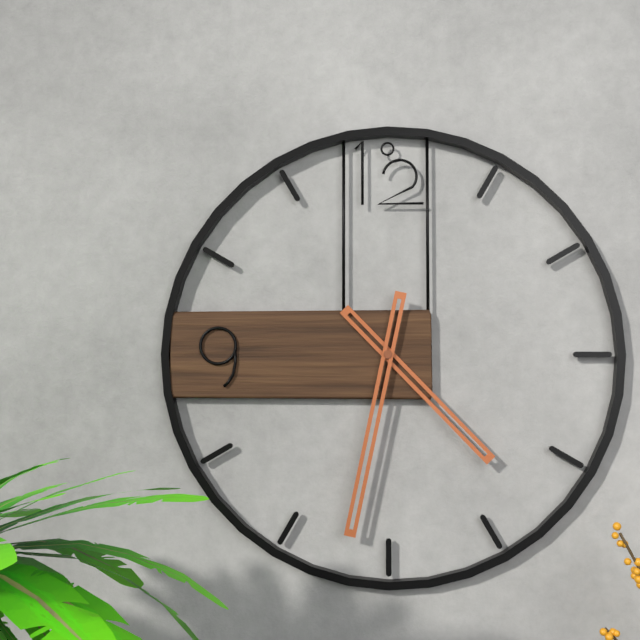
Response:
4h32
